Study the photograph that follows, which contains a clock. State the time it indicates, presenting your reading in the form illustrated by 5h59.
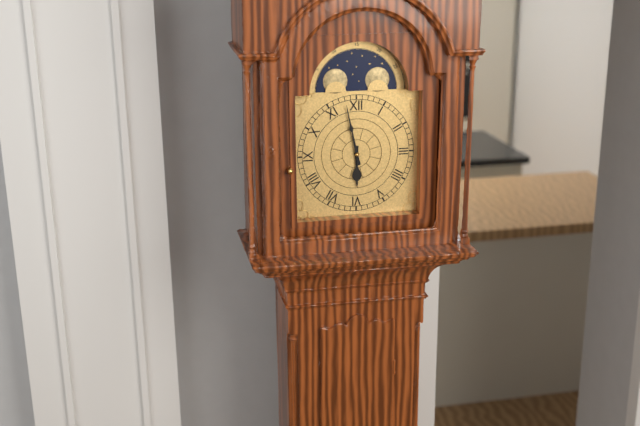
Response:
5h58
